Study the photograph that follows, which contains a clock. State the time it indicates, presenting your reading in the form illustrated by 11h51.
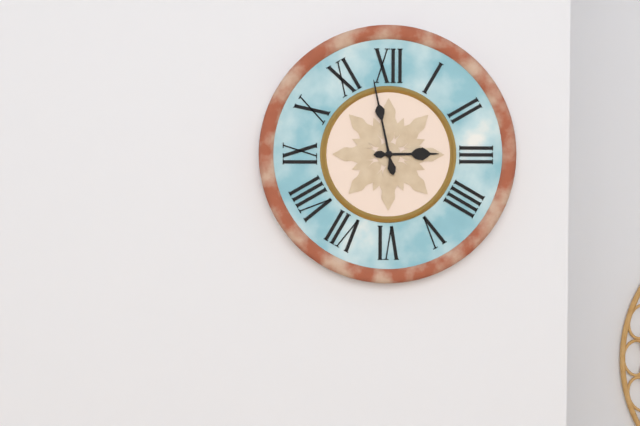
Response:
2h58
